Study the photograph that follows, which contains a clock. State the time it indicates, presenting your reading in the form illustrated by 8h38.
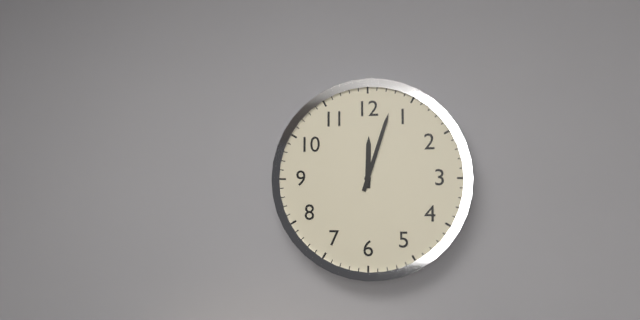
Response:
12h03
